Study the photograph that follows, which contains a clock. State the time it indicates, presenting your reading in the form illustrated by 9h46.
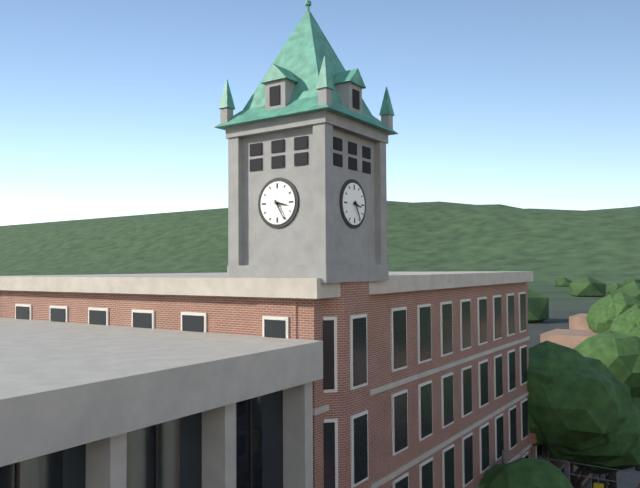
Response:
3h25
